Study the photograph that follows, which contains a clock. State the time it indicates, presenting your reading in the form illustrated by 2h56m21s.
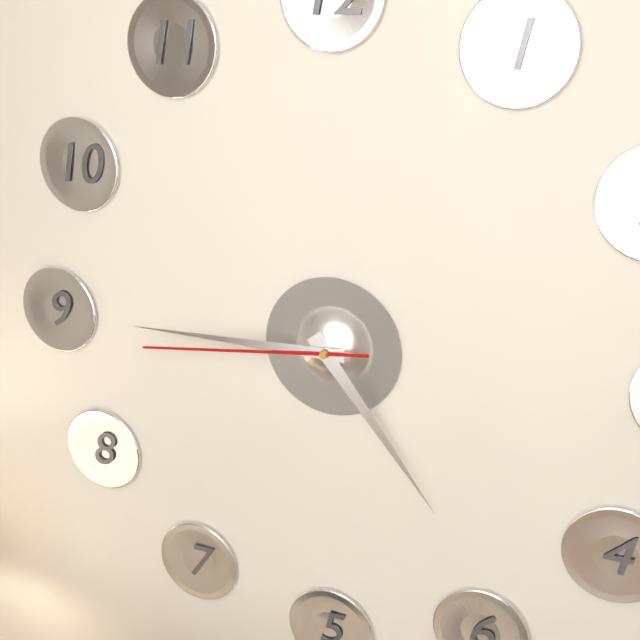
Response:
4h45m44s
